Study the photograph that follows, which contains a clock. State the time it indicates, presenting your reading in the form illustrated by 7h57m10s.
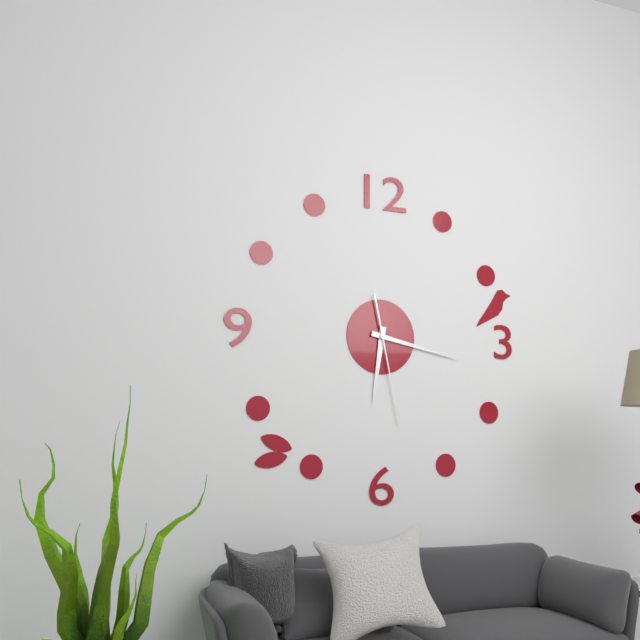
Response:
6h17m28s
